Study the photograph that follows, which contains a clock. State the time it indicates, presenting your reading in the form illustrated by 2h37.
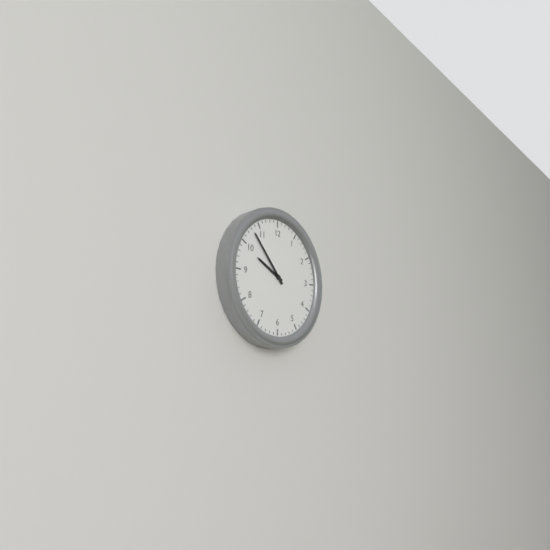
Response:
9h53
